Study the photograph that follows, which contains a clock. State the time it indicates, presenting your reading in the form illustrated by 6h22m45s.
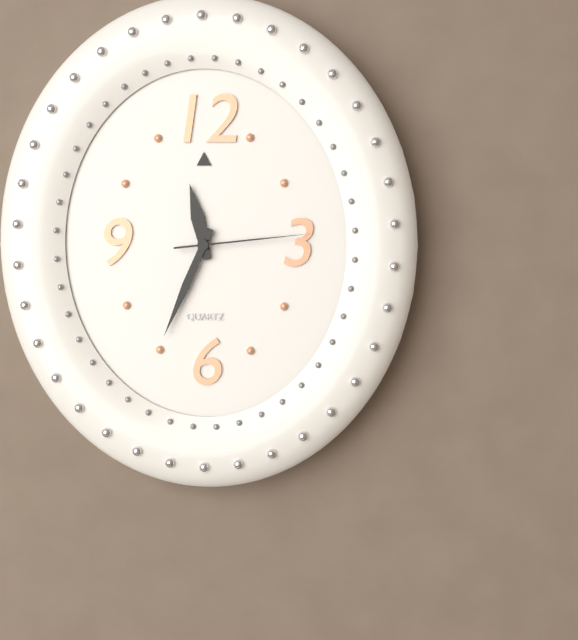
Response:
11h34m14s
